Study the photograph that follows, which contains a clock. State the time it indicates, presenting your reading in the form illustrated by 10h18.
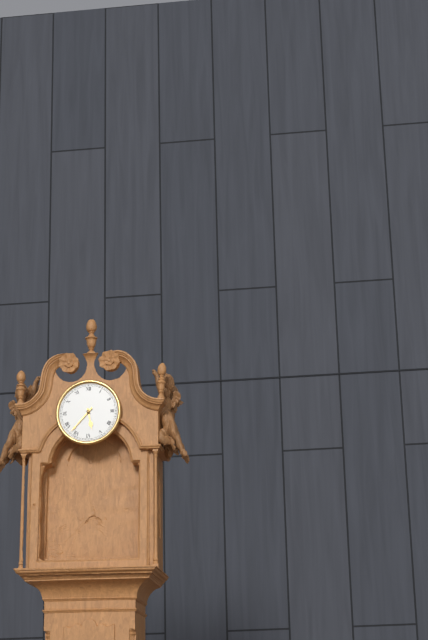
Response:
5h37
